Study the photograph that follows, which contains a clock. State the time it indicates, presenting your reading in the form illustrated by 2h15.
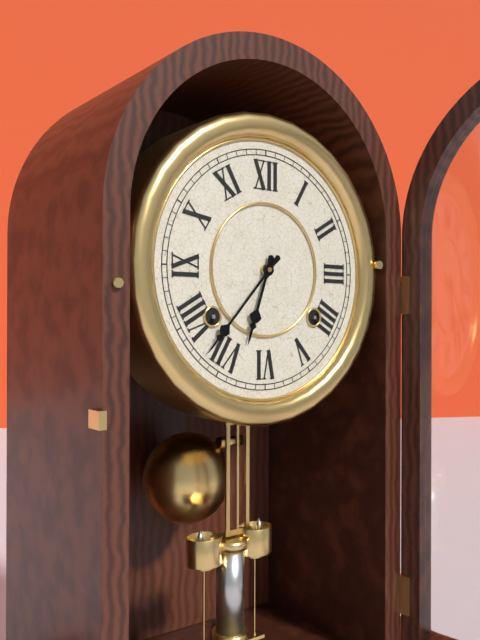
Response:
6h37
